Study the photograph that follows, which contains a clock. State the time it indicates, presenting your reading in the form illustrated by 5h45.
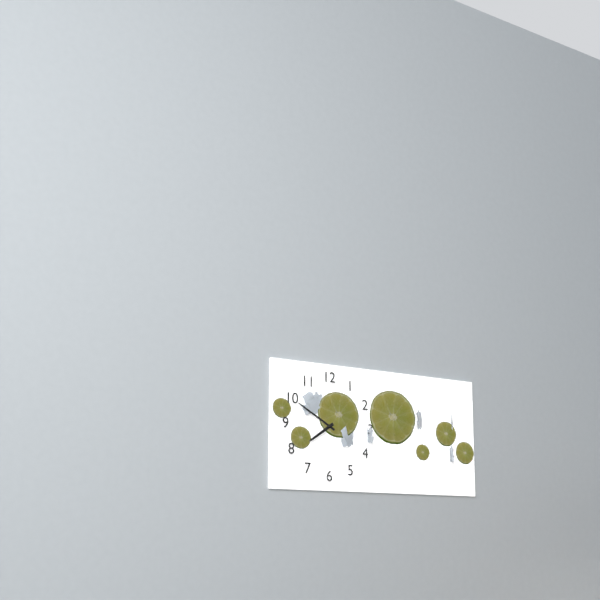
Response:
7h50
